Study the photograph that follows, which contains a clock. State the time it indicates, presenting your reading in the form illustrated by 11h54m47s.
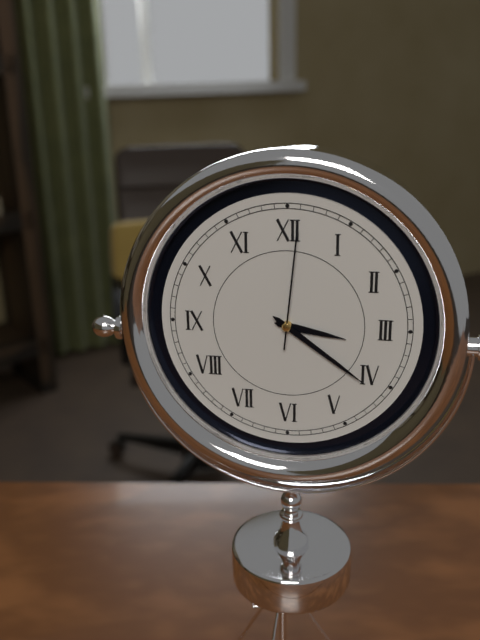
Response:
3h21m01s
